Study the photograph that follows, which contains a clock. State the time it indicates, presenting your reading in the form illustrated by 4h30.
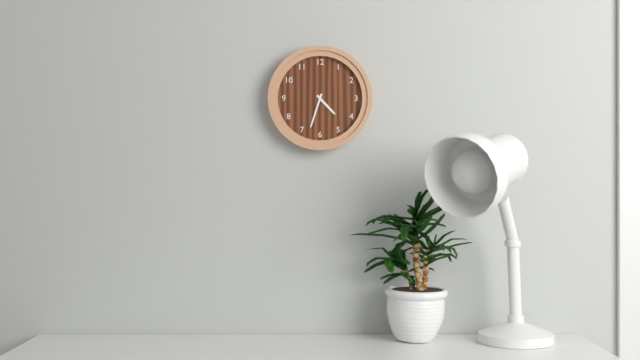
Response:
4h33
